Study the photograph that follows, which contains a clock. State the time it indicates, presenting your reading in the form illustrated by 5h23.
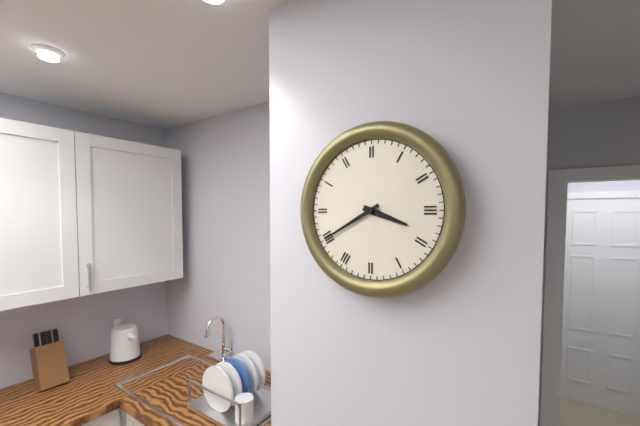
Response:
3h40
